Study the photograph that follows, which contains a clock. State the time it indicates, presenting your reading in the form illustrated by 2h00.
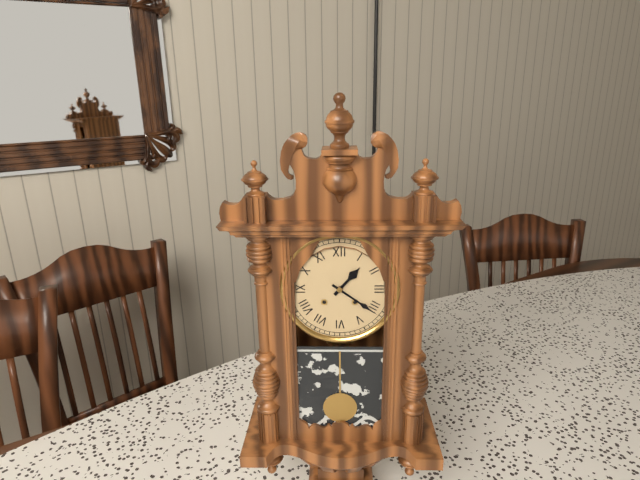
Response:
1h21
